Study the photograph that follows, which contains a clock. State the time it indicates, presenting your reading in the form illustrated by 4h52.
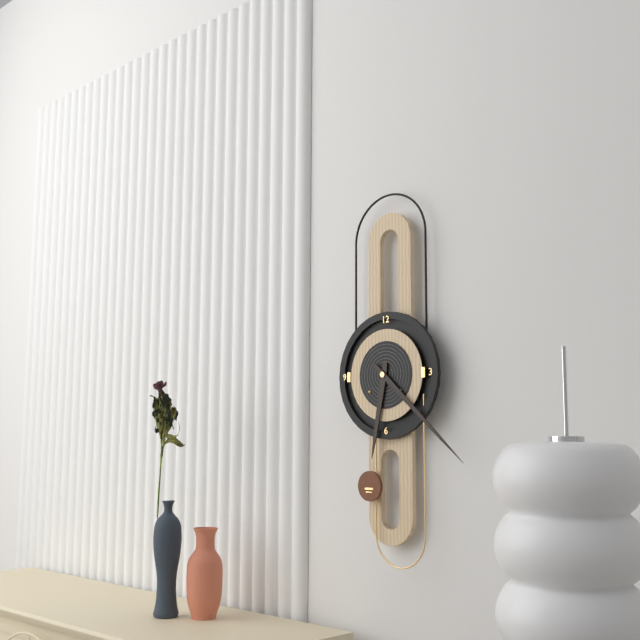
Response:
6h22
